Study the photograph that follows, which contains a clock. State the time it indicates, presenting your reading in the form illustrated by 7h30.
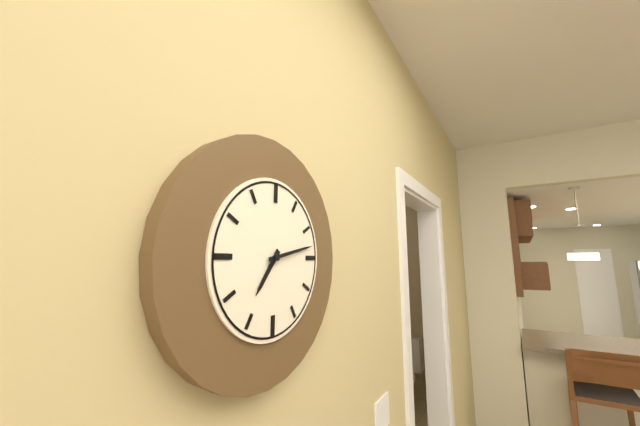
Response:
7h13
